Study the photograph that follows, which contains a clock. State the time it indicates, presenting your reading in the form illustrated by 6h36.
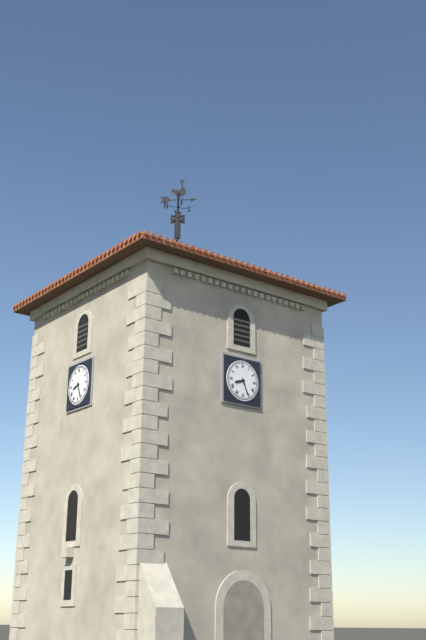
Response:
8h26
